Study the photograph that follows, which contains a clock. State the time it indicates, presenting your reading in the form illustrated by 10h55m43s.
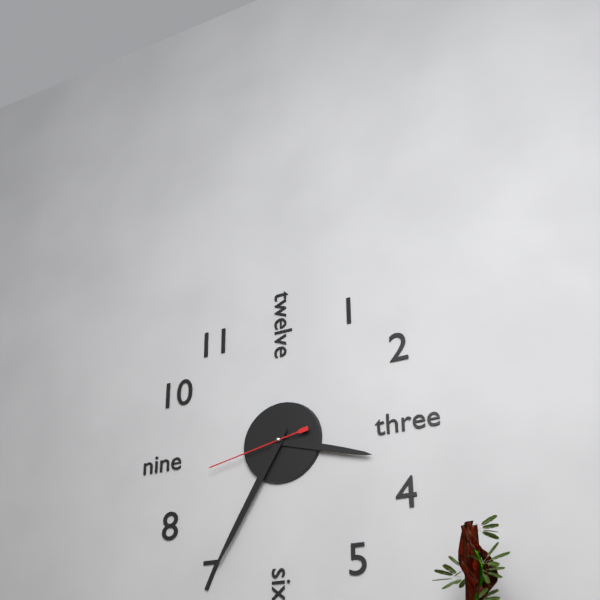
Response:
3h35m43s
